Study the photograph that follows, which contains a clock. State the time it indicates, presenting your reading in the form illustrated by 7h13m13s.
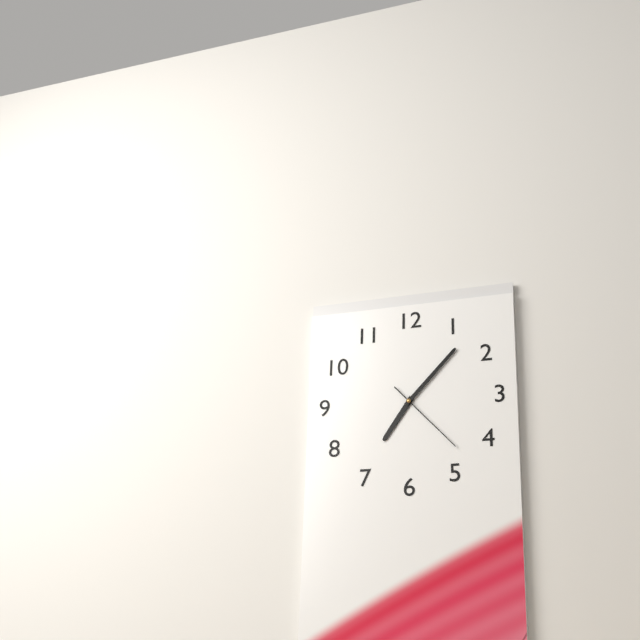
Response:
7h07m23s
